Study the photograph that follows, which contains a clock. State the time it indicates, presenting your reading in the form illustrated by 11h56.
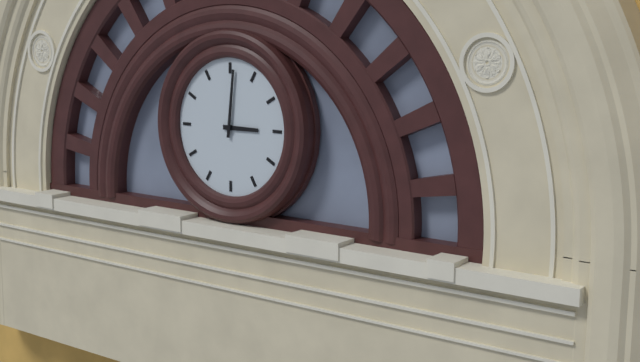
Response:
3h01
